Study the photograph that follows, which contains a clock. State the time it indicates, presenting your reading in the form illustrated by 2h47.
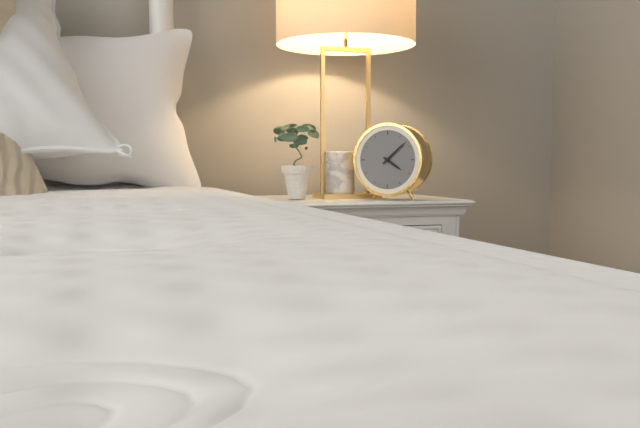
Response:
4h08
